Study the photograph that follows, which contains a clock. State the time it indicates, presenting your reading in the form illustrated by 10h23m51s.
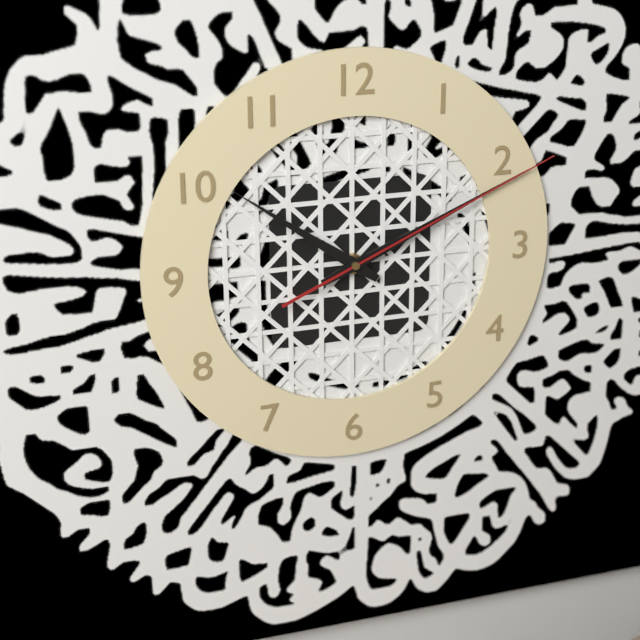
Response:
10h11m11s
